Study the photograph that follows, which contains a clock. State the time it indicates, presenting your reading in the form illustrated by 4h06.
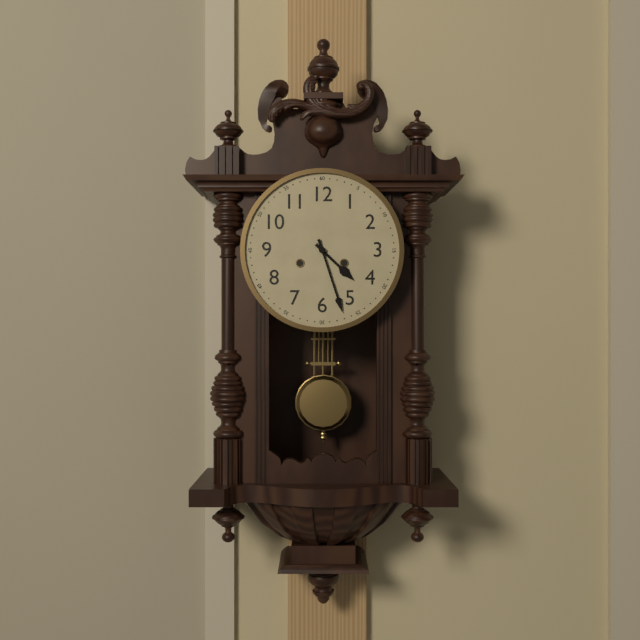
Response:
4h27
